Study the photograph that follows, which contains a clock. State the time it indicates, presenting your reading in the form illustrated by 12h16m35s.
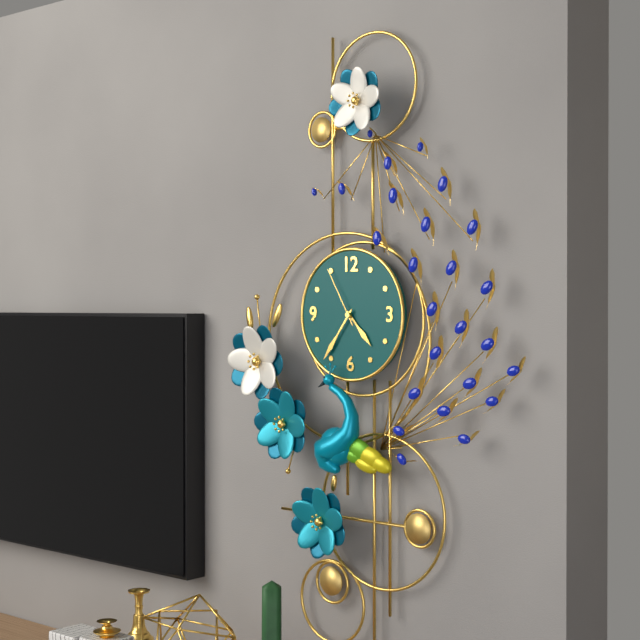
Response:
4h36m55s
